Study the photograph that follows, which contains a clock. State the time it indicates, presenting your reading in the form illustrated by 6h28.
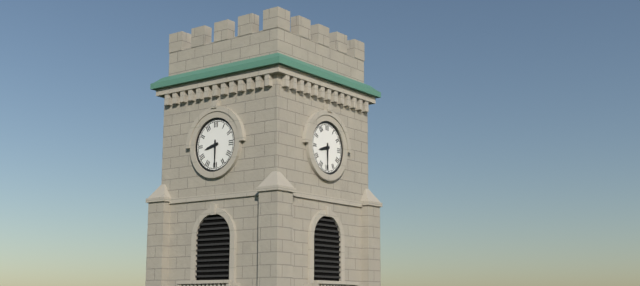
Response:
8h30
